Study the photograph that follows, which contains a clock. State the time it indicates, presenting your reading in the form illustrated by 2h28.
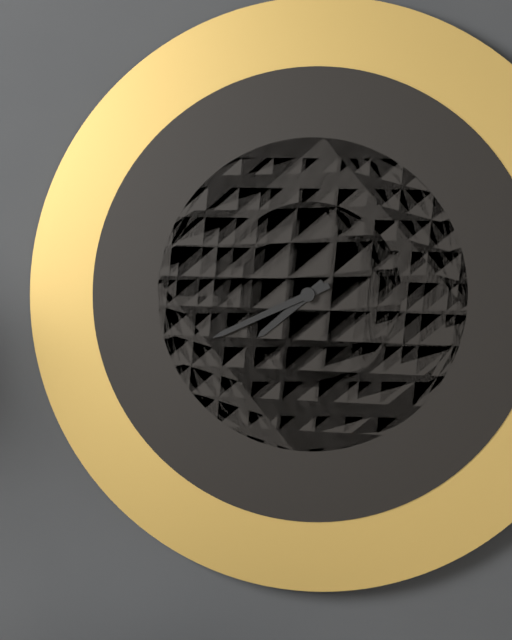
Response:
7h41
